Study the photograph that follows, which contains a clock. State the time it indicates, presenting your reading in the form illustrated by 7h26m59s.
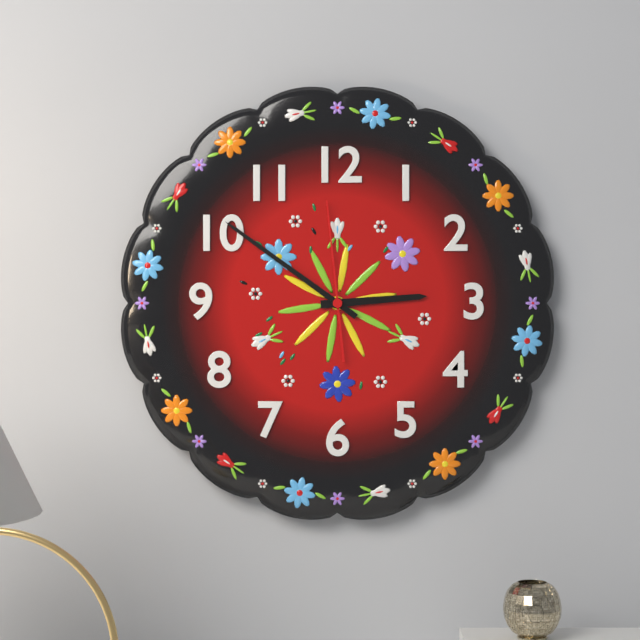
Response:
2h51m59s
